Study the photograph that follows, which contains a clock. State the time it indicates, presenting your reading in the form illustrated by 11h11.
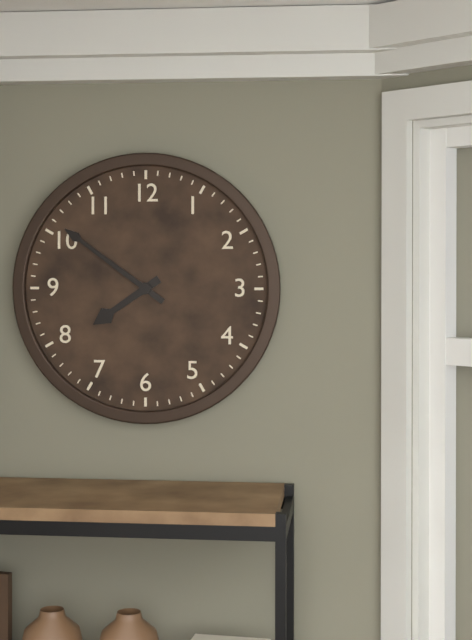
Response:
7h51
